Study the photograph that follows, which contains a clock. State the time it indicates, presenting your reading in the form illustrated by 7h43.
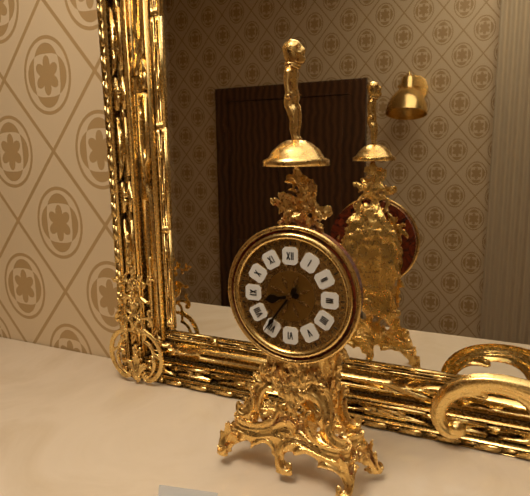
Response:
8h36
